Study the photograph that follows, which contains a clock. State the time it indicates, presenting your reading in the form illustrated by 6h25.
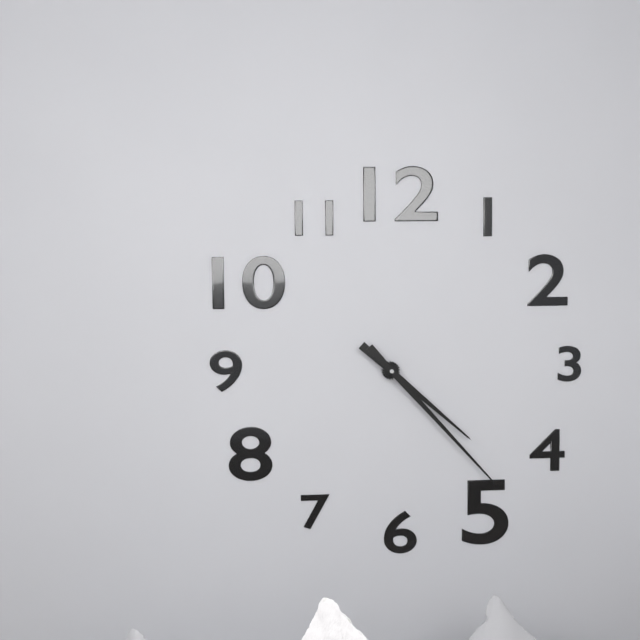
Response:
4h23
